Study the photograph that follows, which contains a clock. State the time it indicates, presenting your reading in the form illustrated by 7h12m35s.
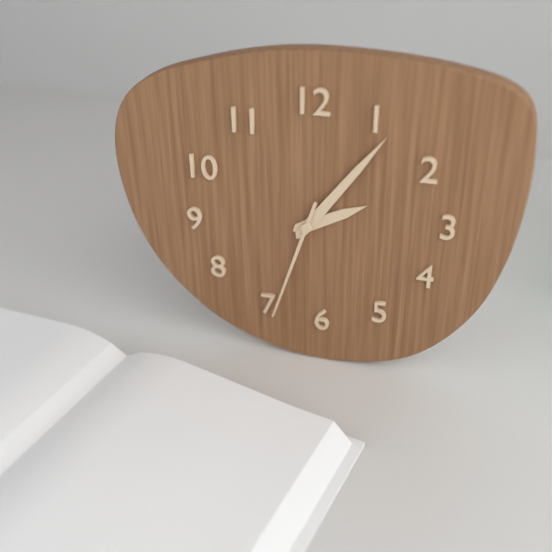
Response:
2h06m33s
